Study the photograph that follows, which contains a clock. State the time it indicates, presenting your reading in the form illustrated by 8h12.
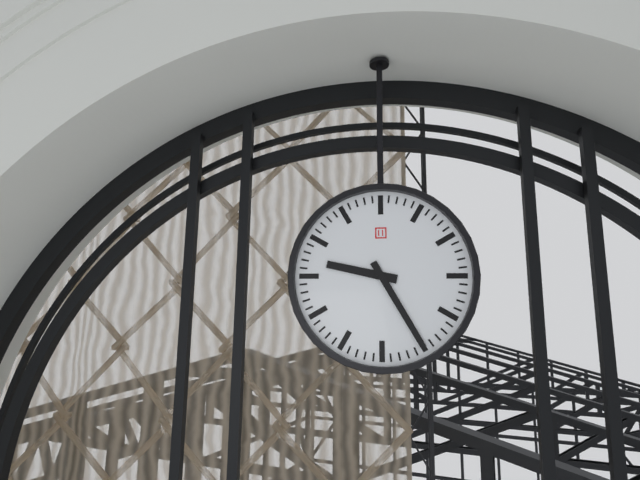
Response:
9h25
